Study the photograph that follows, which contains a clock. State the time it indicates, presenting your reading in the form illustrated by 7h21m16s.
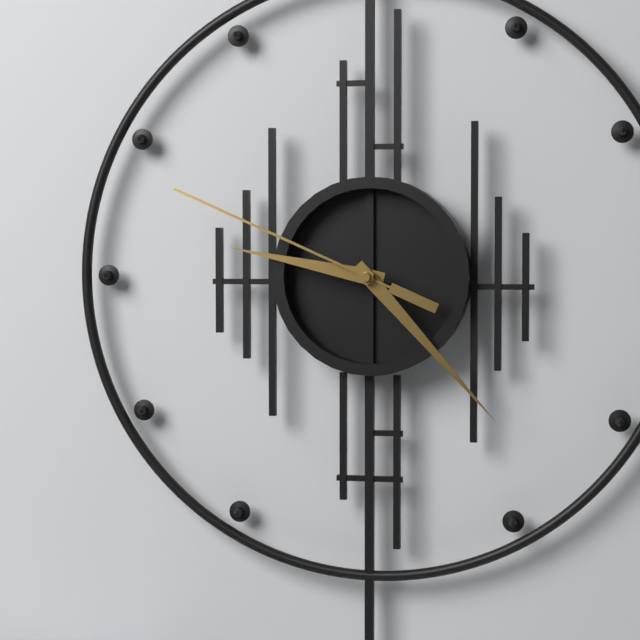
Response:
9h23m49s
